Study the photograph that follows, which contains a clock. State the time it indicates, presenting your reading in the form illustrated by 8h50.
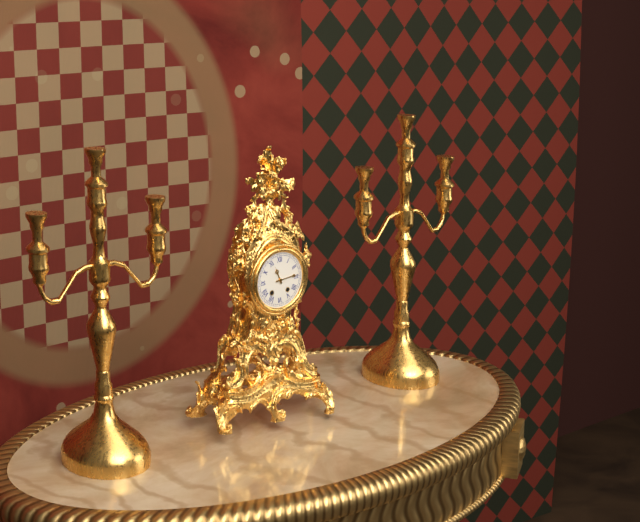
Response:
11h14
